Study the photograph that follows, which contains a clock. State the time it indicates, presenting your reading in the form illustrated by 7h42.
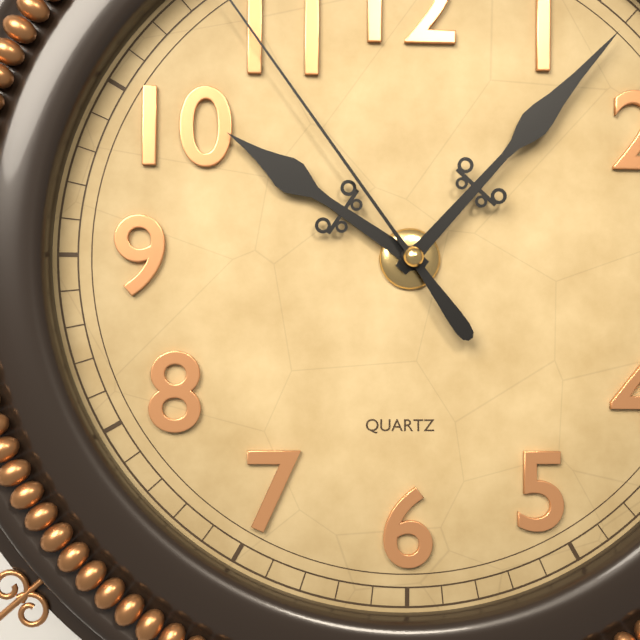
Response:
10h07
